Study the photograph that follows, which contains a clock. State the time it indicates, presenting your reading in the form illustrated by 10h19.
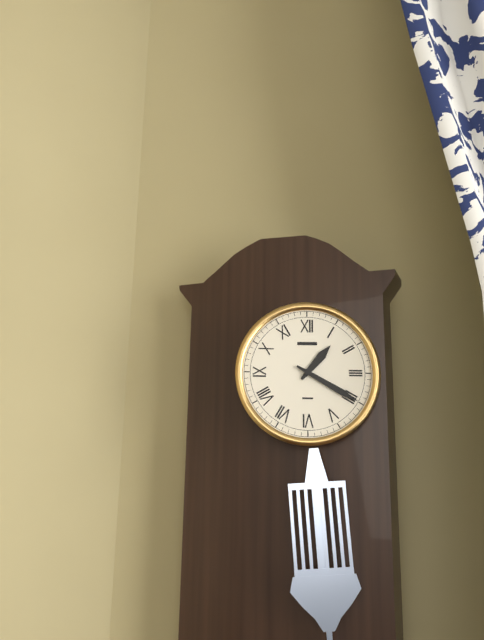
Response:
1h20
